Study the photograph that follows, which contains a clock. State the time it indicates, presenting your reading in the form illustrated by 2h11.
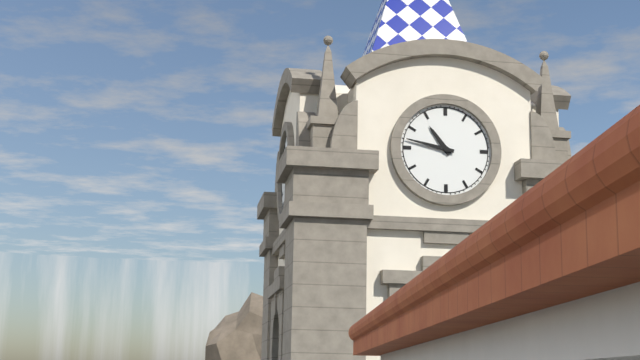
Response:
10h47
